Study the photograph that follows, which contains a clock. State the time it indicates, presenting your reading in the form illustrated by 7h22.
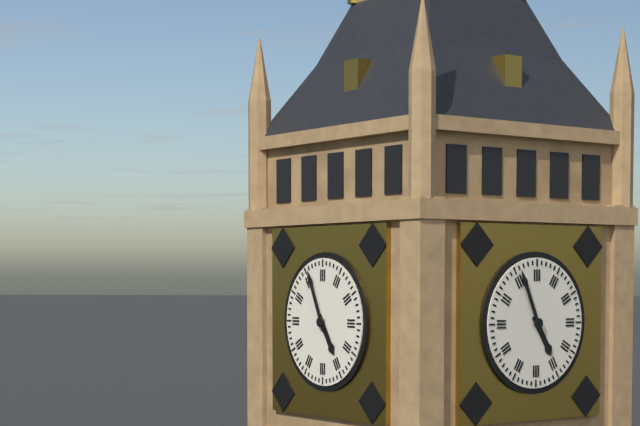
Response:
4h56
